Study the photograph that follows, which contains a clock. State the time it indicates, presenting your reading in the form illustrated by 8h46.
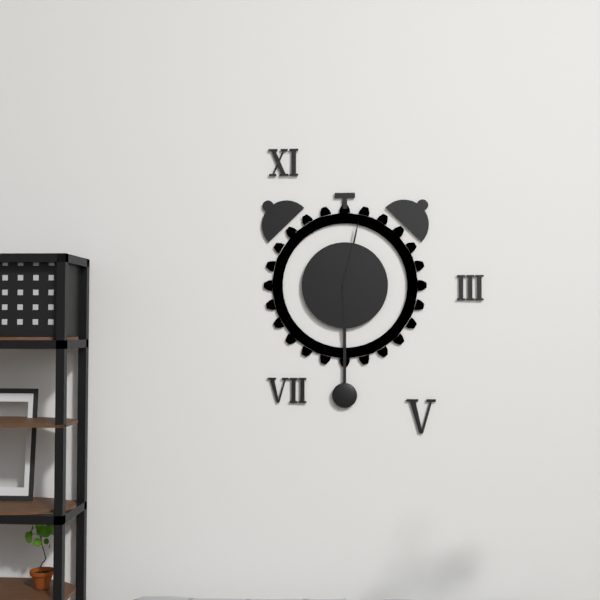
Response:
6h02
